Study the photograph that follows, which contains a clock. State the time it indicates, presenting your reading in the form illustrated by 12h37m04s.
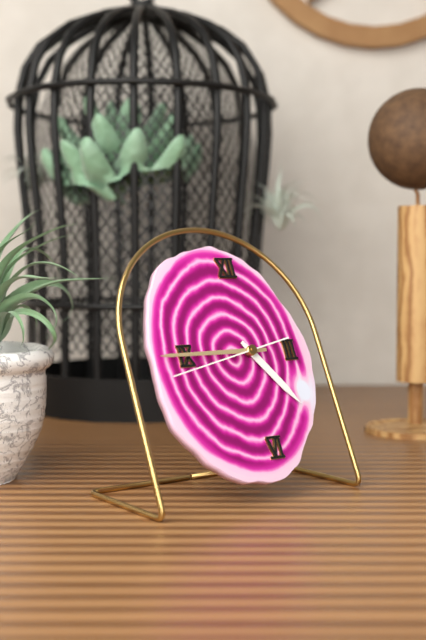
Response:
4h45m43s
